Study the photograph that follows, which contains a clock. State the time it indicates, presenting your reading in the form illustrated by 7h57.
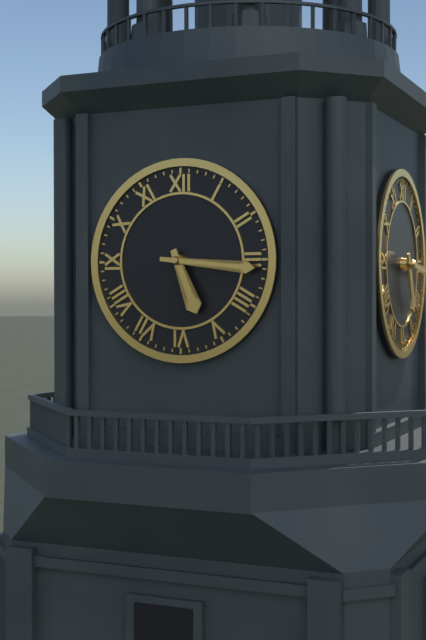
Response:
5h16
